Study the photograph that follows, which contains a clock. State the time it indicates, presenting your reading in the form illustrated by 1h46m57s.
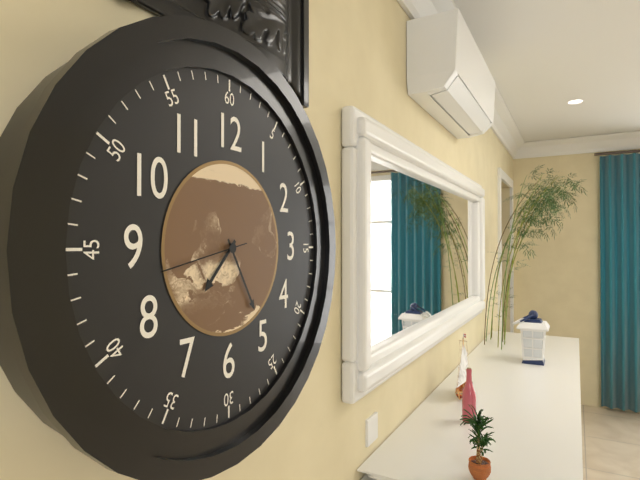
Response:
7h25m43s
